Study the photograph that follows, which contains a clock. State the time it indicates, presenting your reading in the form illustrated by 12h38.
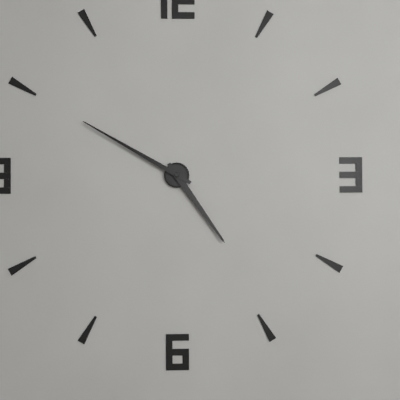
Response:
4h50
